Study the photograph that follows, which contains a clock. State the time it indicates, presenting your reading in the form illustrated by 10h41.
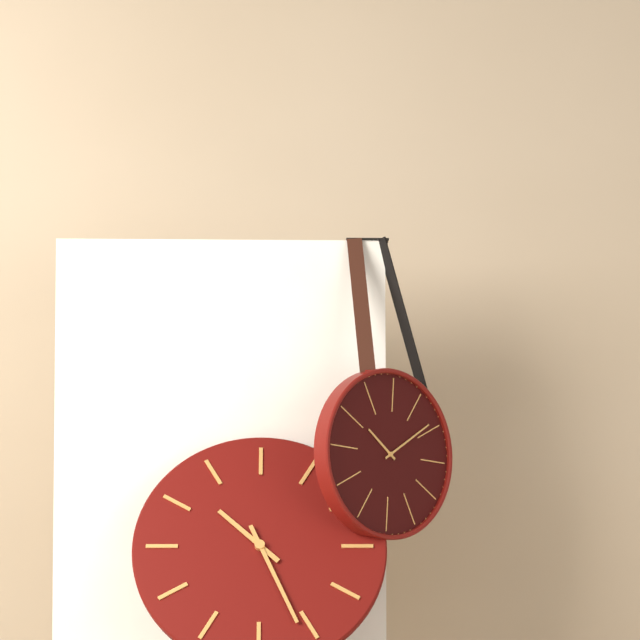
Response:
10h26
